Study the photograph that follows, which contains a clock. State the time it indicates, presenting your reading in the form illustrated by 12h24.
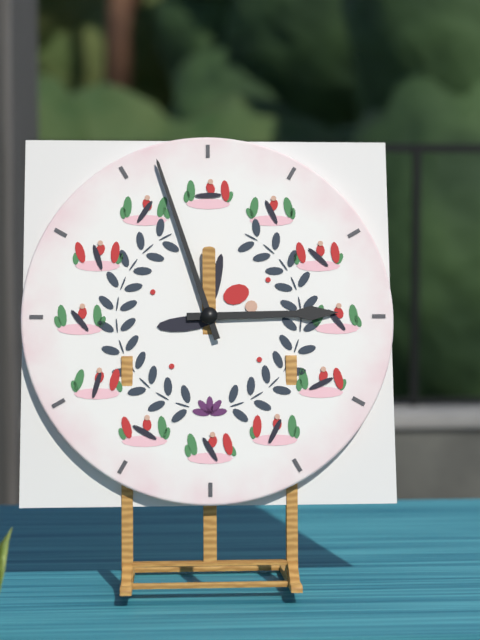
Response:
2h57
